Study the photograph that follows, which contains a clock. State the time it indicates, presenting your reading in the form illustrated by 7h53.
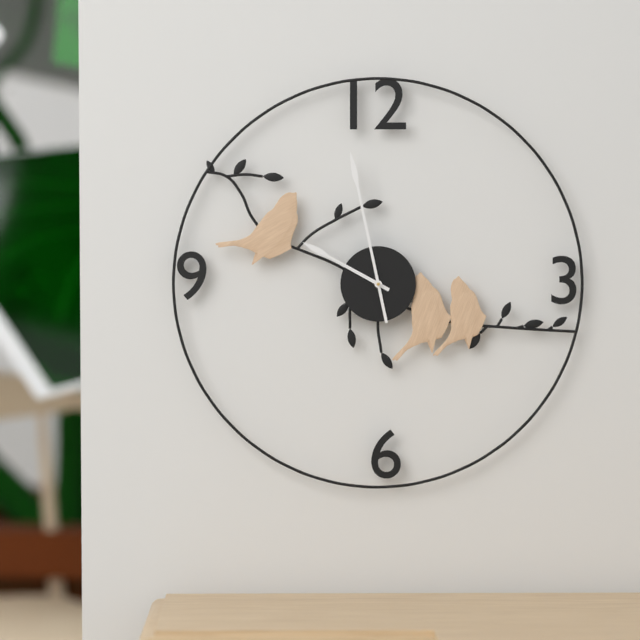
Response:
9h58
